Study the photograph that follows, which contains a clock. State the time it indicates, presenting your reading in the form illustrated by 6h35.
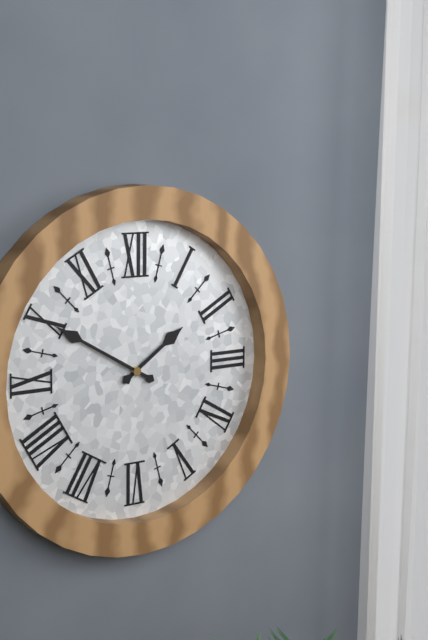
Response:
1h50
